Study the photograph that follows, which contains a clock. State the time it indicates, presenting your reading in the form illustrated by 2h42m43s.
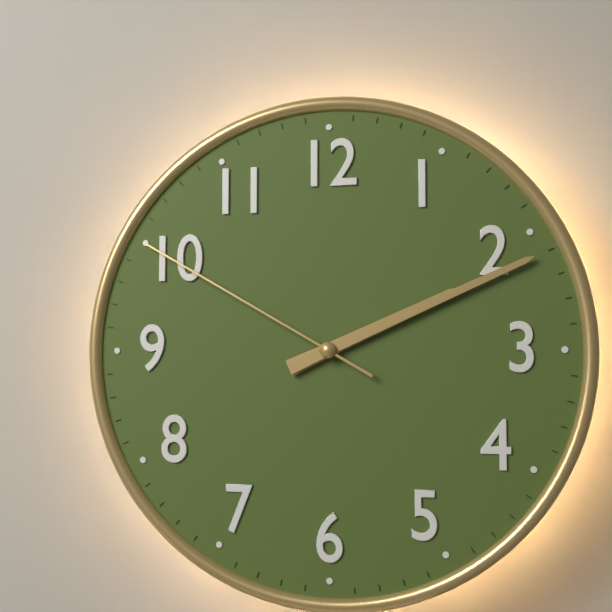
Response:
2h11m50s
